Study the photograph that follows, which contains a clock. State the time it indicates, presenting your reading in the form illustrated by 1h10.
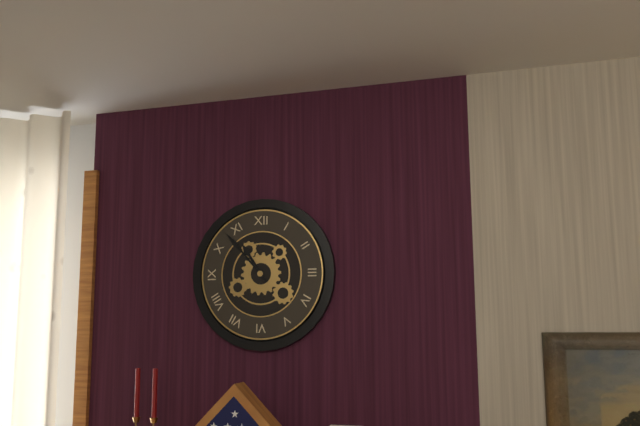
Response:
10h53
